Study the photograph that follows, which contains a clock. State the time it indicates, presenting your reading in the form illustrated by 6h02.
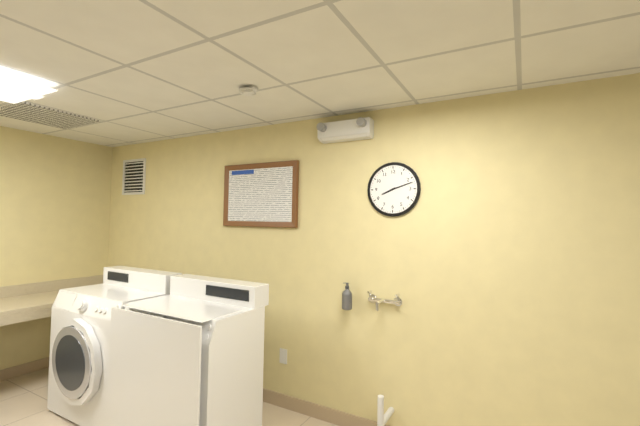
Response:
8h12
